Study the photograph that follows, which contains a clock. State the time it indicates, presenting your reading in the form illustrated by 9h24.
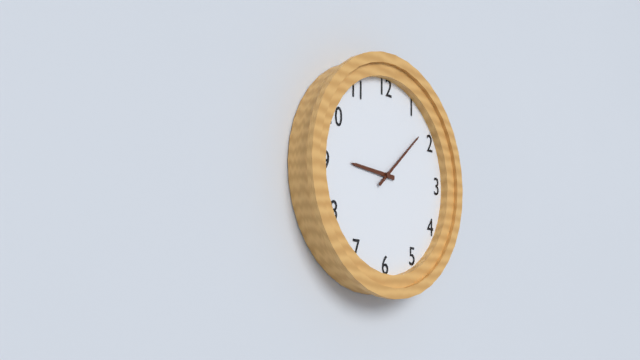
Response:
9h08
